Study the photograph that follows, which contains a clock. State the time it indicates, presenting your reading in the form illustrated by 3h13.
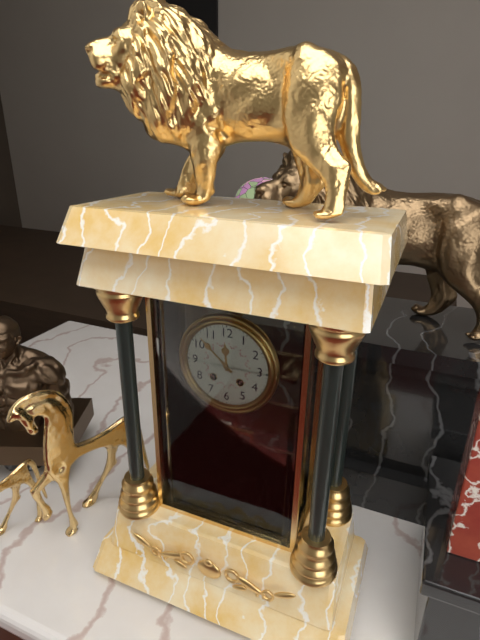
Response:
11h52
